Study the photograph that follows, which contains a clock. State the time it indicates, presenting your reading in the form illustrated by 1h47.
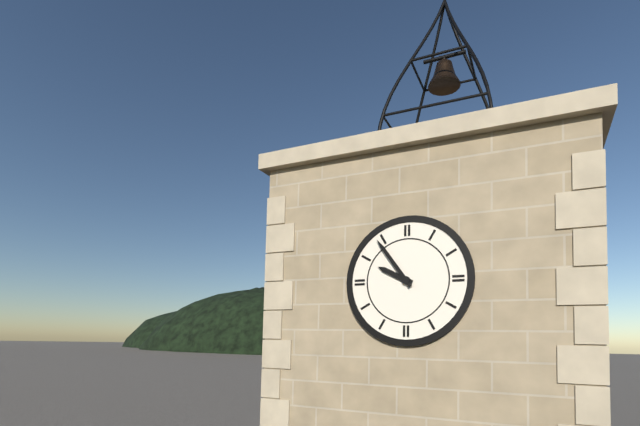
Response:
9h54
